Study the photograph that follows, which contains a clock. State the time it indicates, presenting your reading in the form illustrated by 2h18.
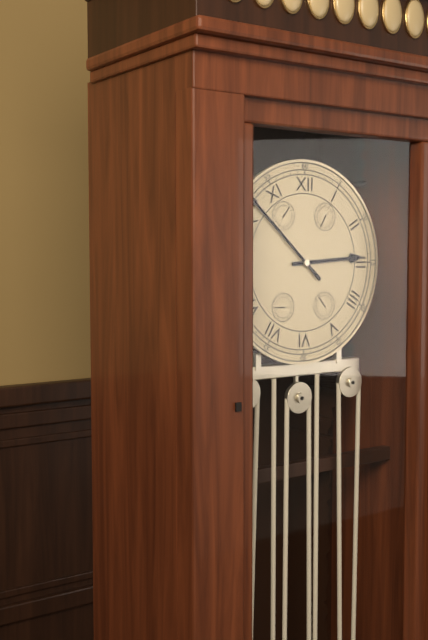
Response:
2h52
